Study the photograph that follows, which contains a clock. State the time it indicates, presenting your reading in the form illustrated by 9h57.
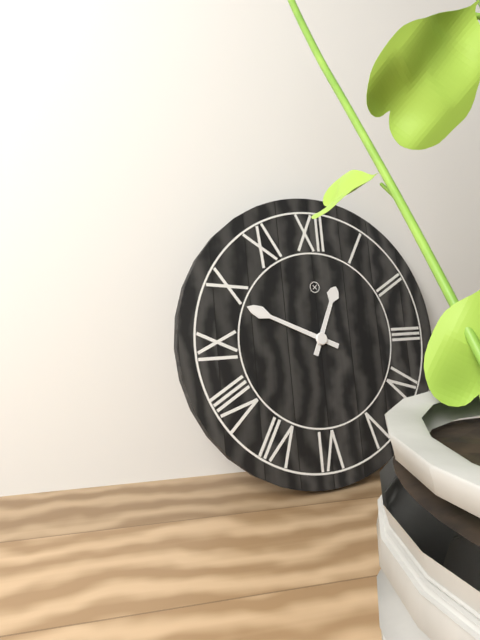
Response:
12h49
